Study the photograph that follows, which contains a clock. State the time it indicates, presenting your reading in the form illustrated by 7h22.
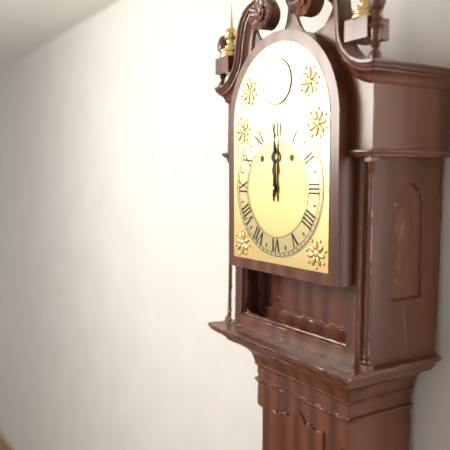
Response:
12h00
